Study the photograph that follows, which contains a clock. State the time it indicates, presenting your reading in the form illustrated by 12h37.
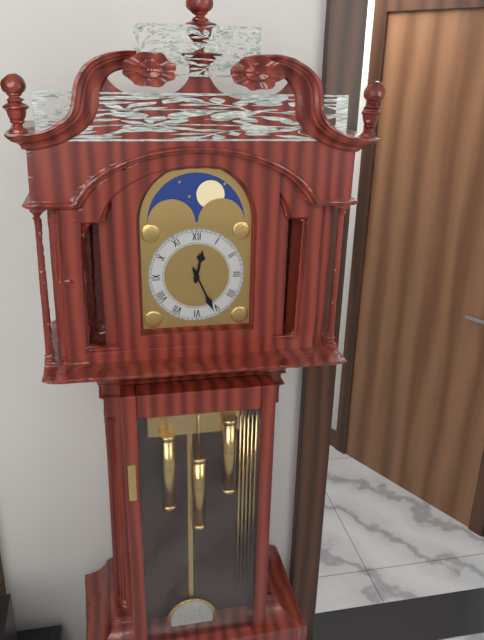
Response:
12h26
